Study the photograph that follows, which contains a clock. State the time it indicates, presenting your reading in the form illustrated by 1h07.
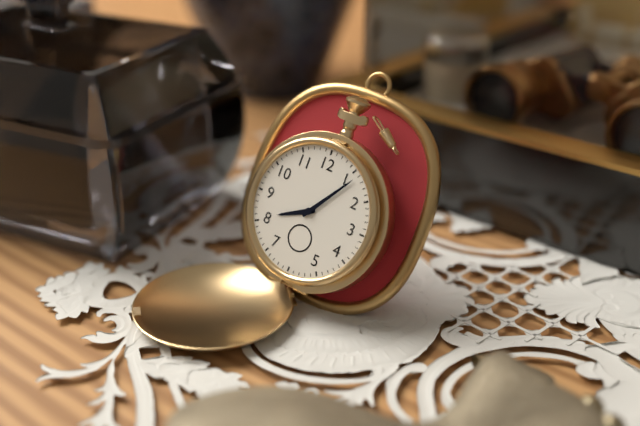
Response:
8h06
